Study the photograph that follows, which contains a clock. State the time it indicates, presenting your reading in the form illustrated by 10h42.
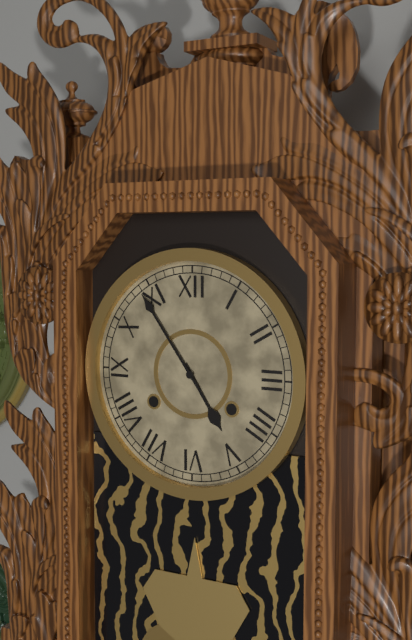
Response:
4h54
